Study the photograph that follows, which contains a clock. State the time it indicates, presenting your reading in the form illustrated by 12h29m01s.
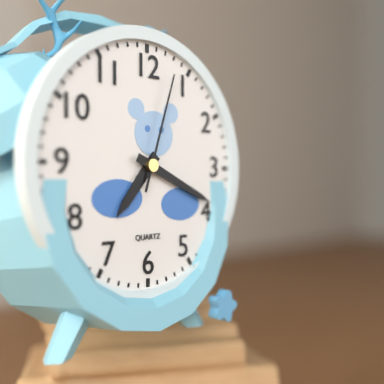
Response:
7h19m03s
